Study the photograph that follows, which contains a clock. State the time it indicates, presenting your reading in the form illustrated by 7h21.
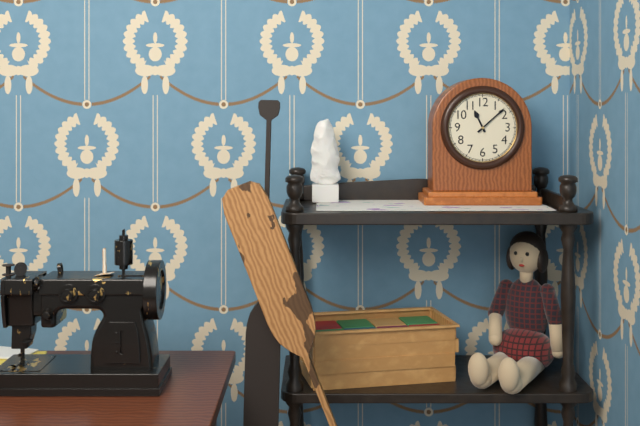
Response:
11h08
